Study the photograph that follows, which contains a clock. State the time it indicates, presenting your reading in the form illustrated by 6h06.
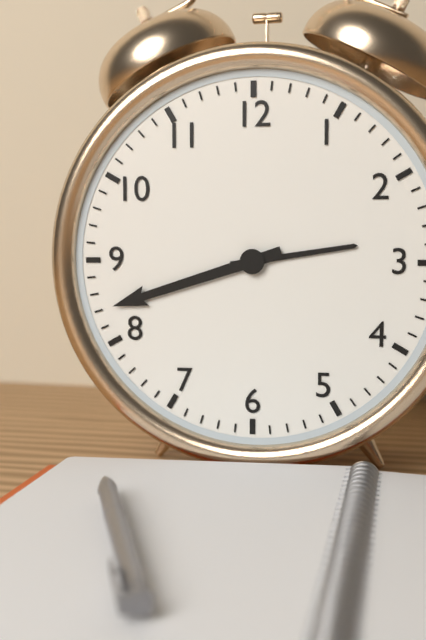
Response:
2h42
